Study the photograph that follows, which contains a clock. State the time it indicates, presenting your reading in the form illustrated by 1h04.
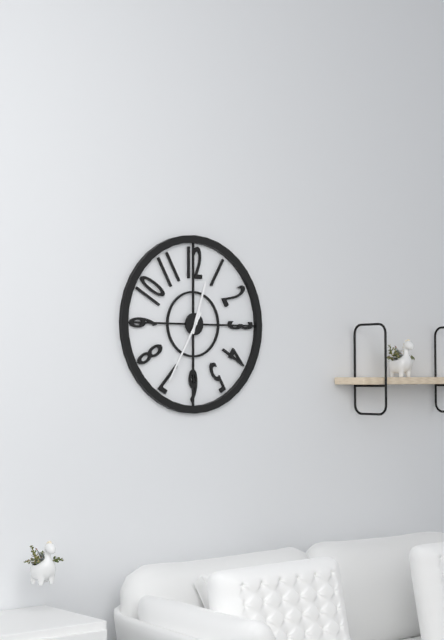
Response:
12h35
